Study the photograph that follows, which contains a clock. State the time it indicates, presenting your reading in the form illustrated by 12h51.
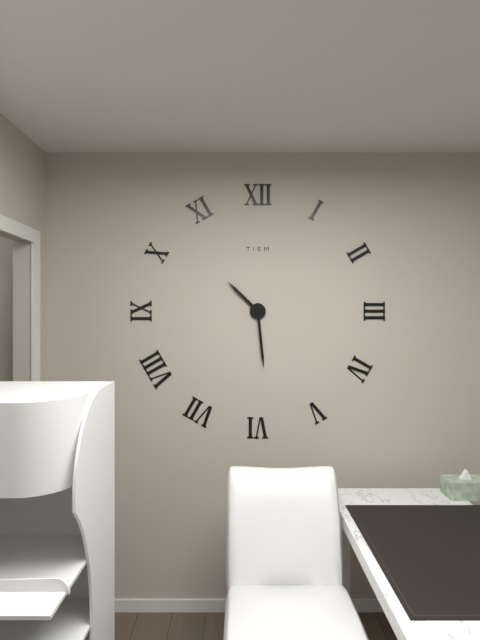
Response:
10h29
